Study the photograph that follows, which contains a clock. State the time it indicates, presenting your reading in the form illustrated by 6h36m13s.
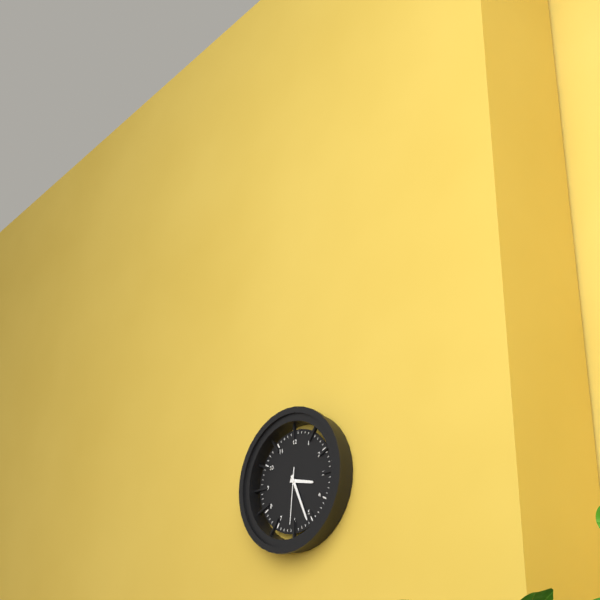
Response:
3h26m31s
